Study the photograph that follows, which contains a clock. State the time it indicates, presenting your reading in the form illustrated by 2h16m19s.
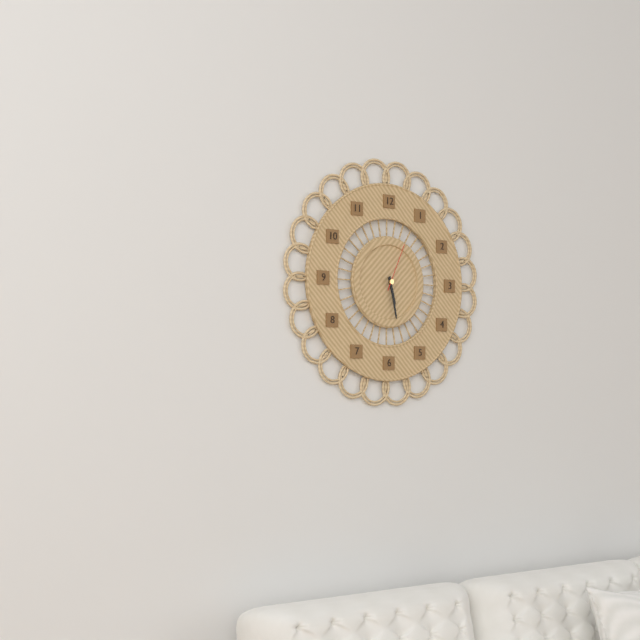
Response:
5h28m04s
